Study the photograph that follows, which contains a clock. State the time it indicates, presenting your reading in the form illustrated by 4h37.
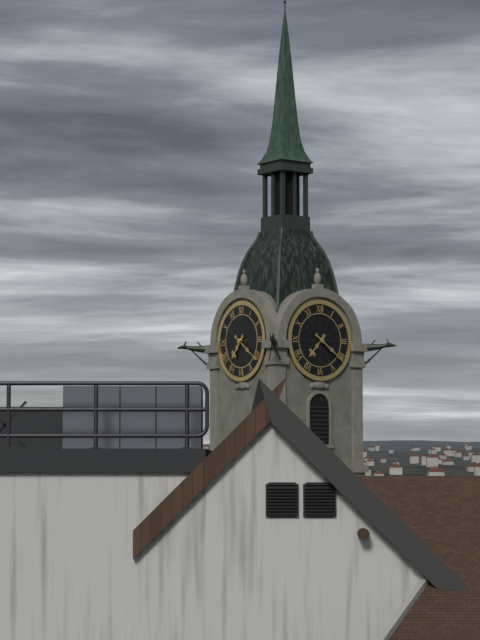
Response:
7h21
